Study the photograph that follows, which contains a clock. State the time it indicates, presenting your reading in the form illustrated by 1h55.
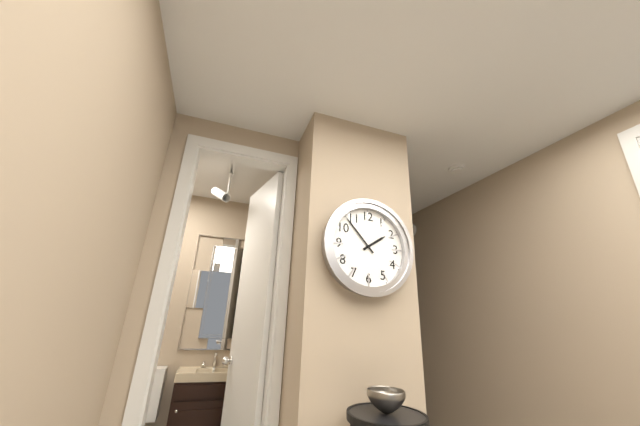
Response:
1h53
